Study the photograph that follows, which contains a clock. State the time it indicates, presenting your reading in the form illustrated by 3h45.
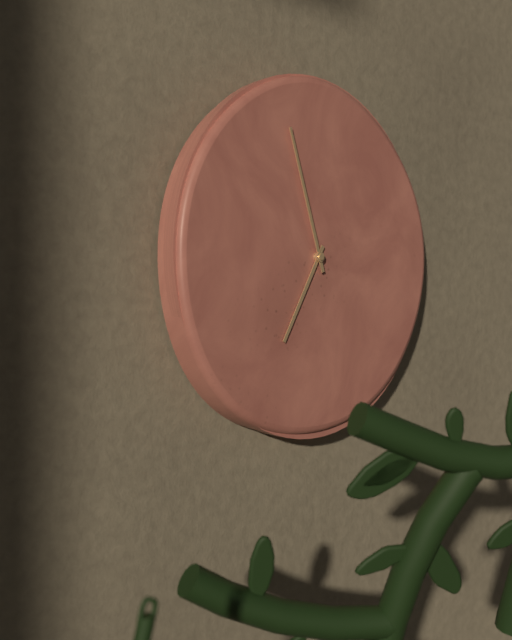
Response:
6h57
